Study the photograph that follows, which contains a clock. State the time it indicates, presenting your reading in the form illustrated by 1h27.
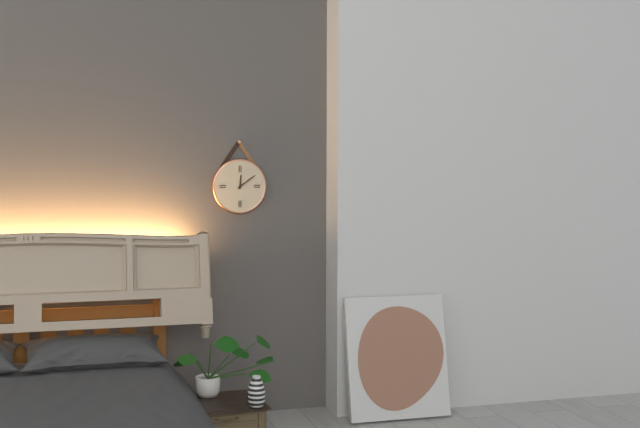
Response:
12h09
